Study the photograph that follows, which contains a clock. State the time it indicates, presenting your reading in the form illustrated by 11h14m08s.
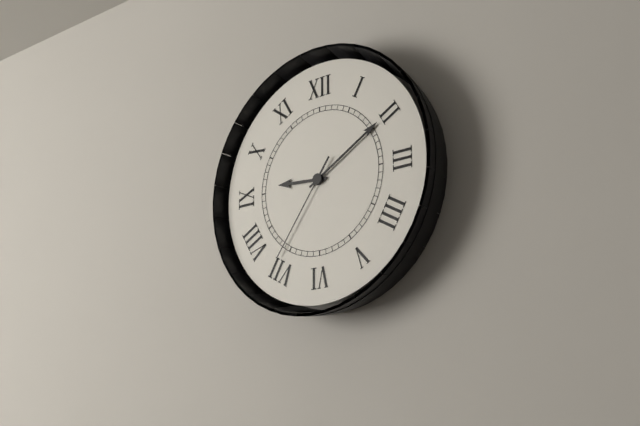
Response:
9h10m36s
